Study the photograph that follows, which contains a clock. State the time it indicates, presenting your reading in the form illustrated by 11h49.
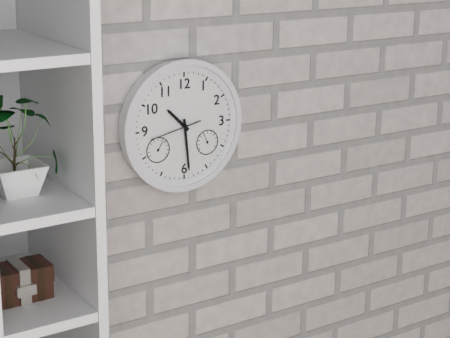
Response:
10h29
